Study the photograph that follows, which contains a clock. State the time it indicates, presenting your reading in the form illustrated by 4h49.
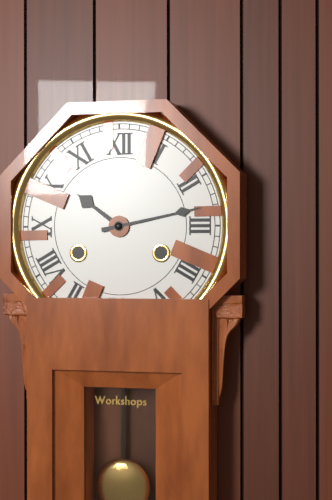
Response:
10h13
